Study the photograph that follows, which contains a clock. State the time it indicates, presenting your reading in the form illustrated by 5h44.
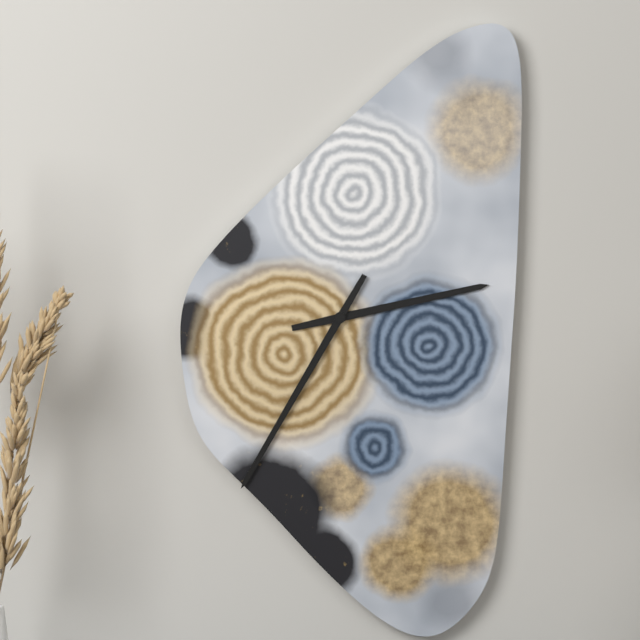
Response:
2h35
